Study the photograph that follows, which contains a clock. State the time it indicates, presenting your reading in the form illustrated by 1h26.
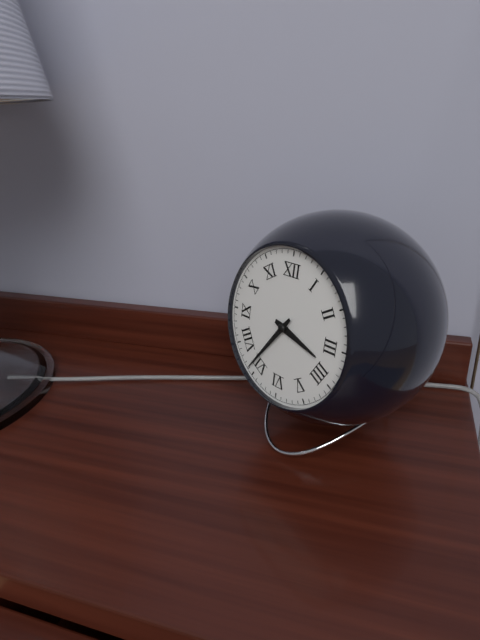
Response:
3h36
